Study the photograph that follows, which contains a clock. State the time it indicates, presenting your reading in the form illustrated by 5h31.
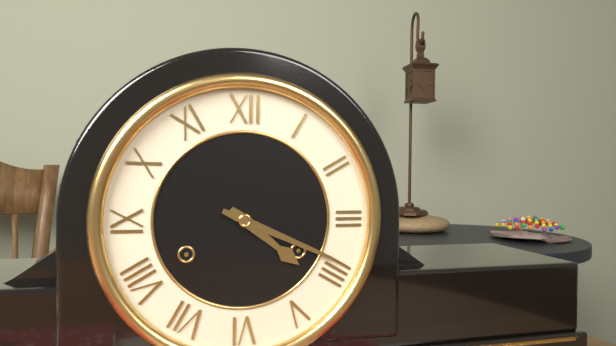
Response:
4h19
